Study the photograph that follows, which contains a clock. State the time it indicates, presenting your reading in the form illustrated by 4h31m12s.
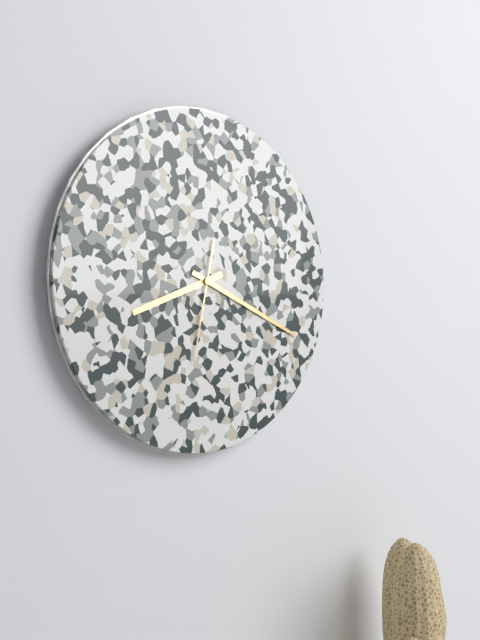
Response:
8h19m32s
